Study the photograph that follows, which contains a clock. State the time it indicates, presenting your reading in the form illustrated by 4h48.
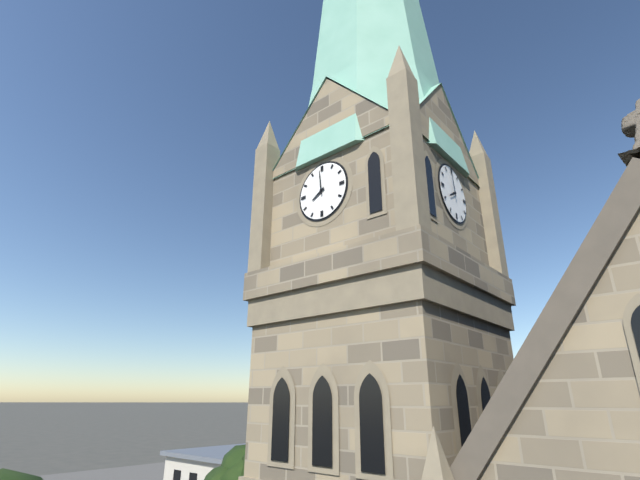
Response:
7h59
